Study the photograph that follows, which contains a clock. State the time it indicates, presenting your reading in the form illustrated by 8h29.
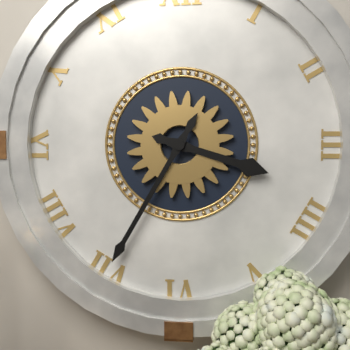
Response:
3h35
